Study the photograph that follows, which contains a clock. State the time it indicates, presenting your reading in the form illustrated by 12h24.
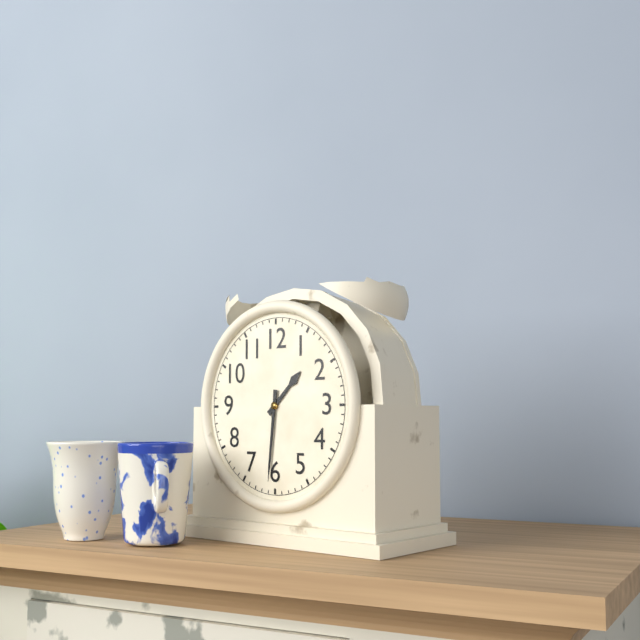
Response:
1h31
